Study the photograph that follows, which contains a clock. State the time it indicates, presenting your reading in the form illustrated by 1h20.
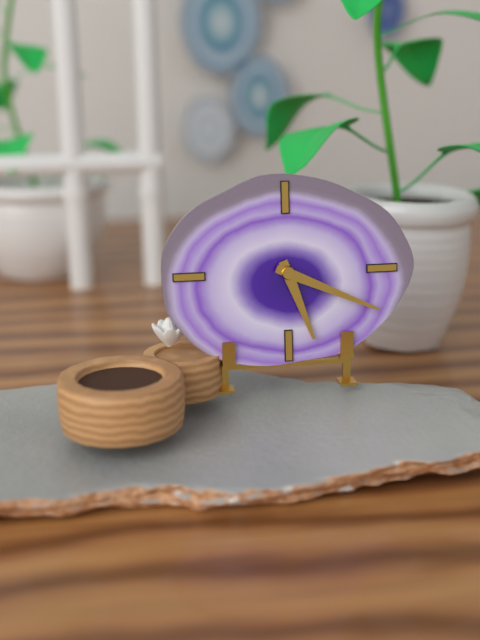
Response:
5h19
